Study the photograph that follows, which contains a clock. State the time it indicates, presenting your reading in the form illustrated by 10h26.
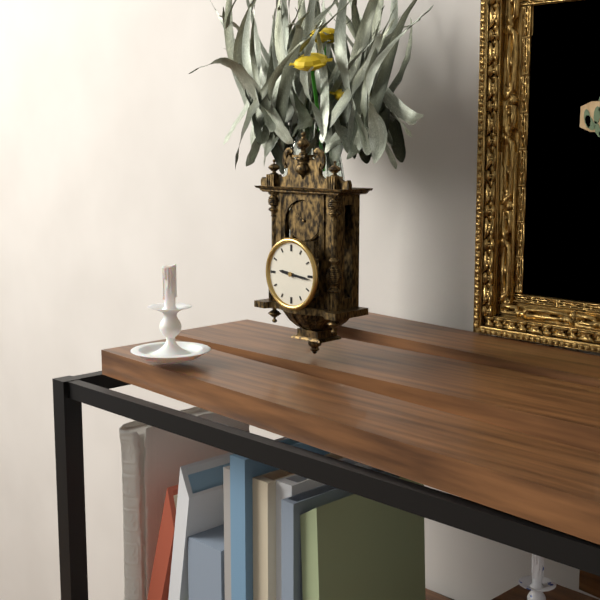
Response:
9h16
